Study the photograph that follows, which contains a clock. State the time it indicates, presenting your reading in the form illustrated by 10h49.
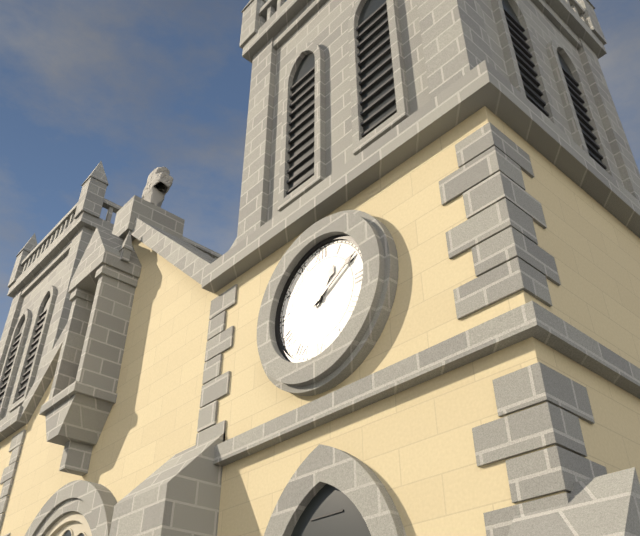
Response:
1h10
